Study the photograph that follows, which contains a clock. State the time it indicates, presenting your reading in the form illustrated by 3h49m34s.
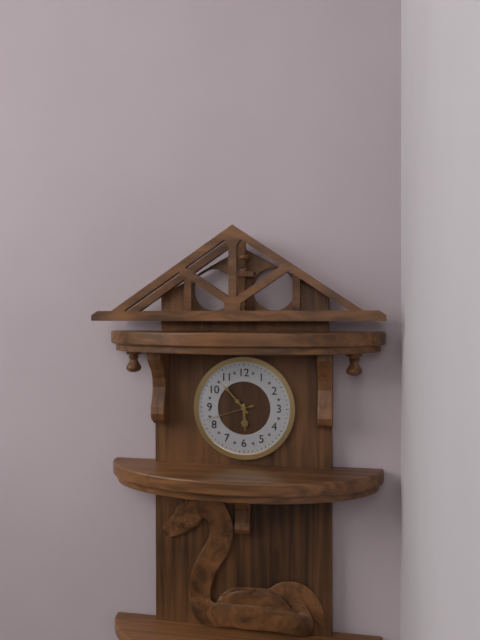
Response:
5h53m42s
